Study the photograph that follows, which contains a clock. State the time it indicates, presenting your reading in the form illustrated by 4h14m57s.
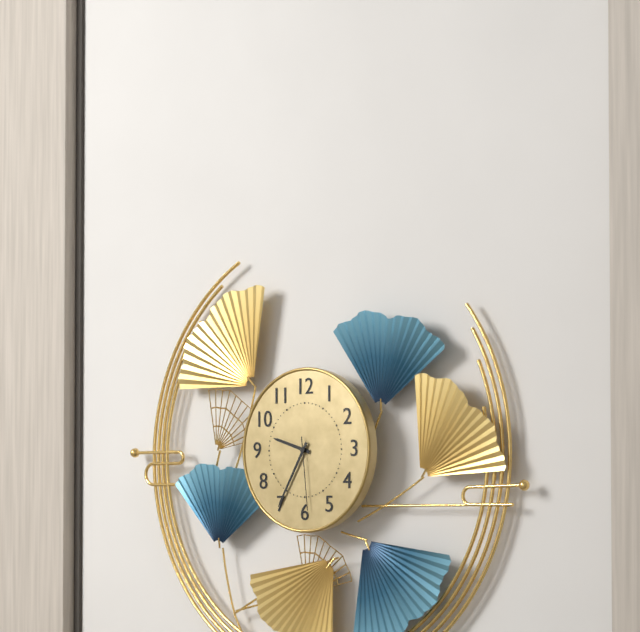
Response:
9h35m29s
